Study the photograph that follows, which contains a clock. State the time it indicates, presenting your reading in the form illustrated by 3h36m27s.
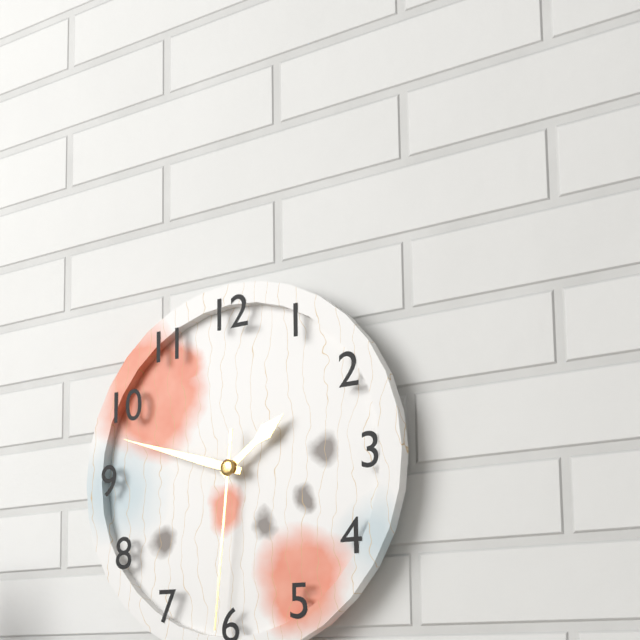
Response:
1h48m31s
